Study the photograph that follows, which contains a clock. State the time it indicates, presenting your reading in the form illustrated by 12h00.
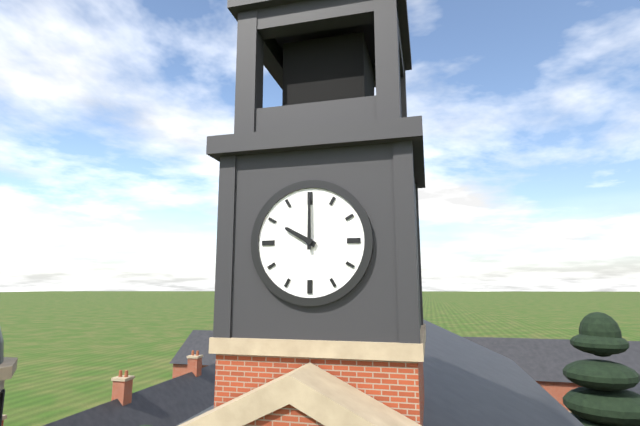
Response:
10h00
